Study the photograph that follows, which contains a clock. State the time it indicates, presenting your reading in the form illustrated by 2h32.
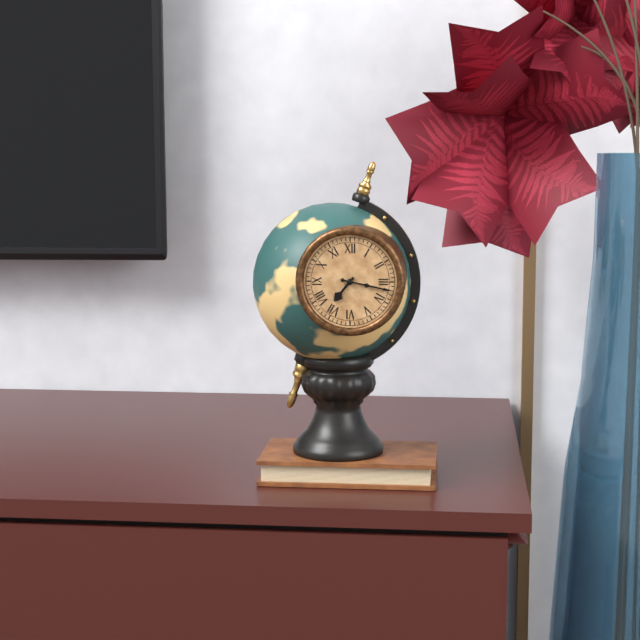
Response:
7h17
